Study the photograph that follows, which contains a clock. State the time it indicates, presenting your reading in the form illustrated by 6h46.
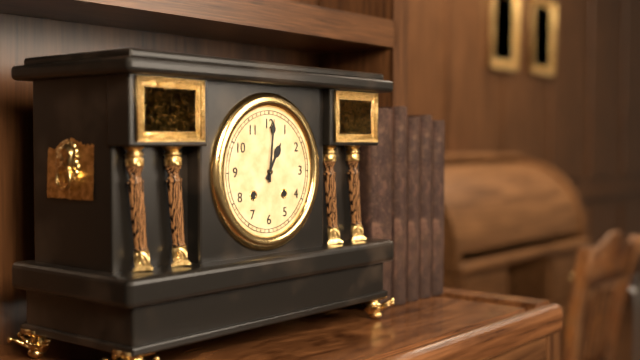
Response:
1h01
